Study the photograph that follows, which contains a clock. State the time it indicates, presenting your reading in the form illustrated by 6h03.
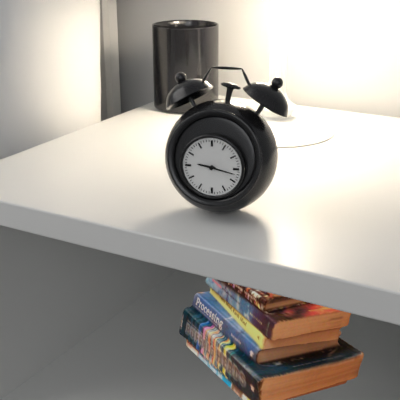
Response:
9h17
